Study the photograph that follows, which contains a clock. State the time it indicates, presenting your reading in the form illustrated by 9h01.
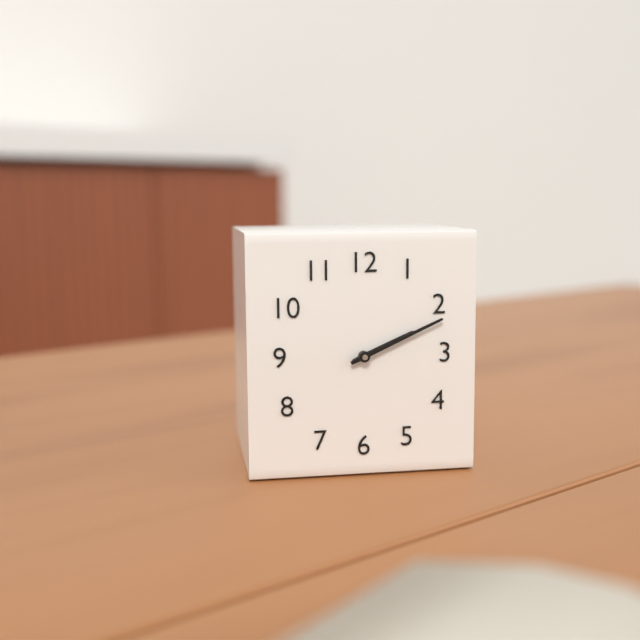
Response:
2h11
